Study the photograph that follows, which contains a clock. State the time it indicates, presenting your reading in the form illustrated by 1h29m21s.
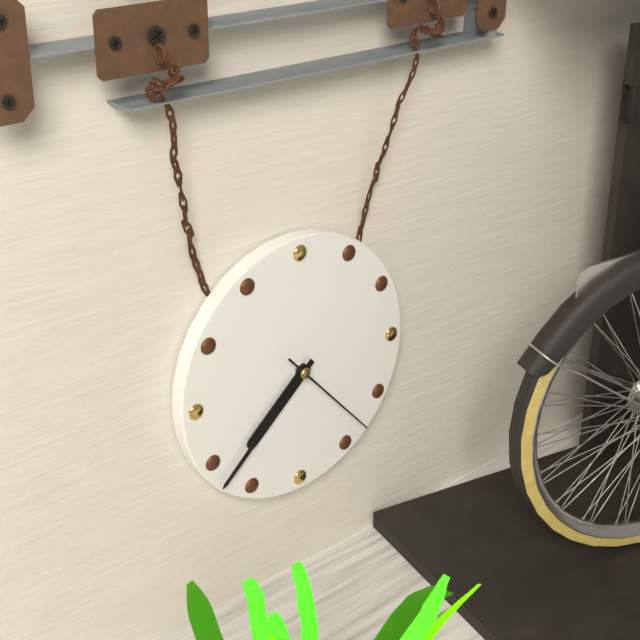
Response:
7h38m23s
